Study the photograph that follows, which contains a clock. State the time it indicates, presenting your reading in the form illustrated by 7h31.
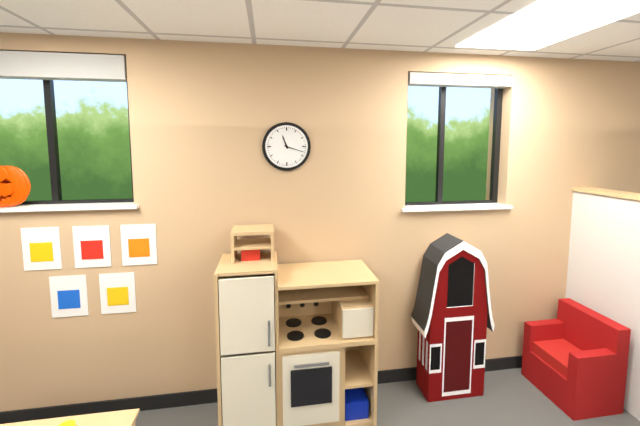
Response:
11h18
